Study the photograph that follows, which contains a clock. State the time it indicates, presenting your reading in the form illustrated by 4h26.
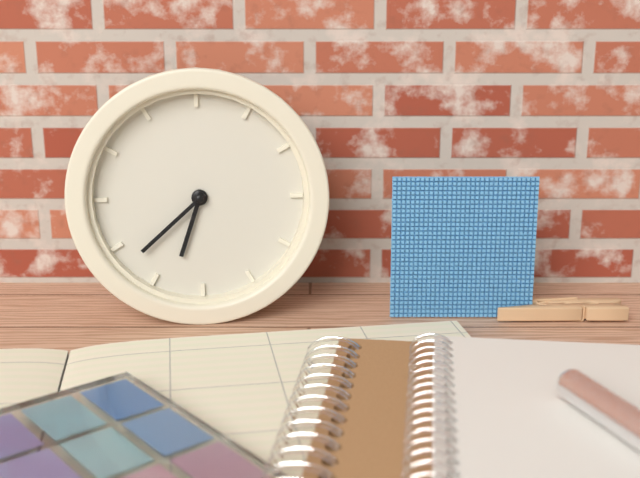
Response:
6h38
